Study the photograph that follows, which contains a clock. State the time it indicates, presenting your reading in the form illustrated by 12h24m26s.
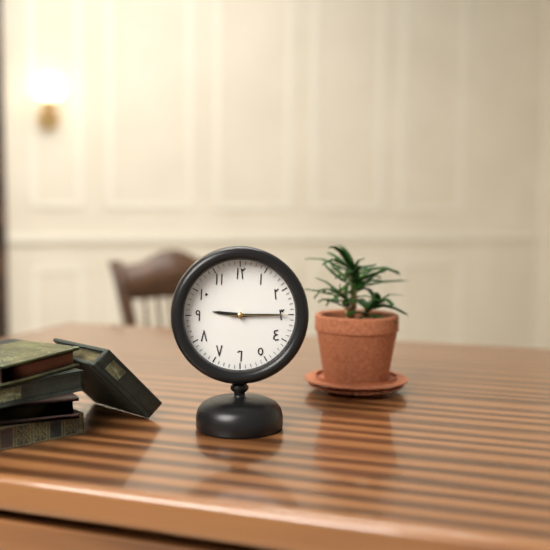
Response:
9h15m15s
